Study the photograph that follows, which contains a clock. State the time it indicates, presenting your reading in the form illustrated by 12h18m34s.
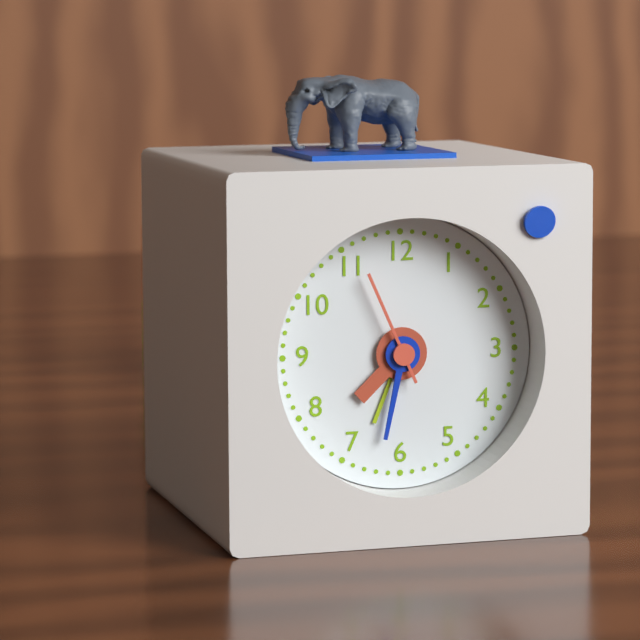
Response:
7h32m56s
